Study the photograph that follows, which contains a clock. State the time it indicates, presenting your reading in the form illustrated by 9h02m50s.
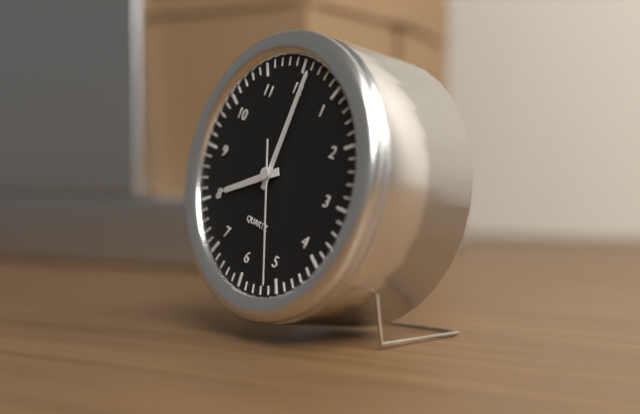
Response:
8h01m26s
